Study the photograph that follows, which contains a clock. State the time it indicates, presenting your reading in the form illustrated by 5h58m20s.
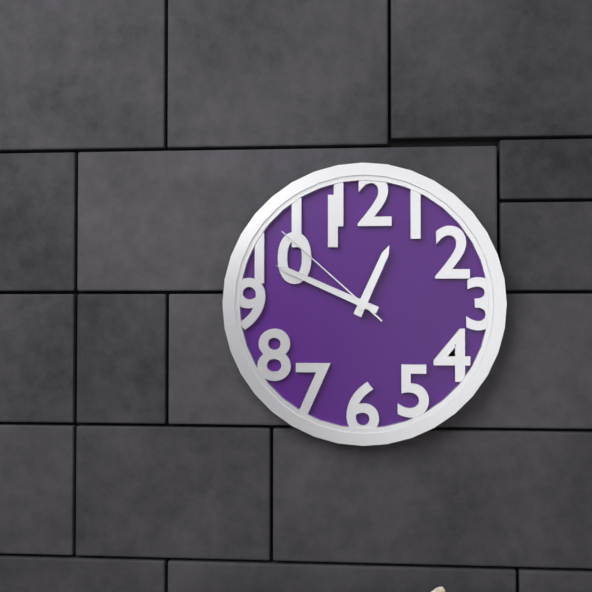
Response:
12h49m52s
